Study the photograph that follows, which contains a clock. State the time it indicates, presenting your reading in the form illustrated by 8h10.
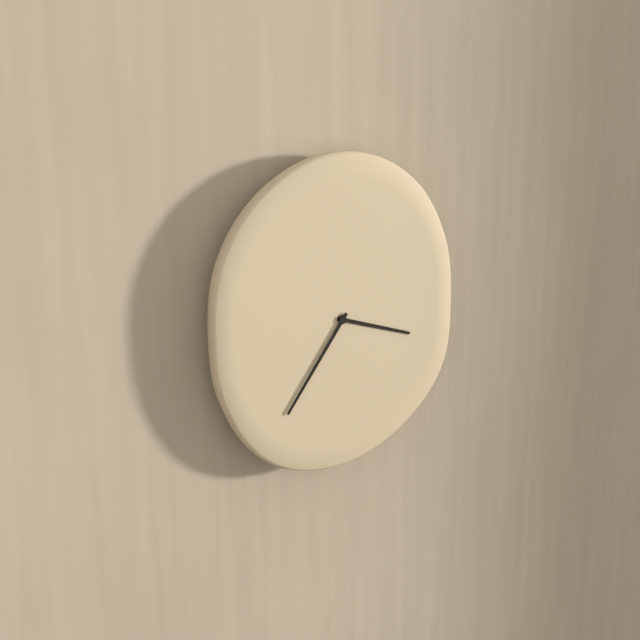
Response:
3h36
